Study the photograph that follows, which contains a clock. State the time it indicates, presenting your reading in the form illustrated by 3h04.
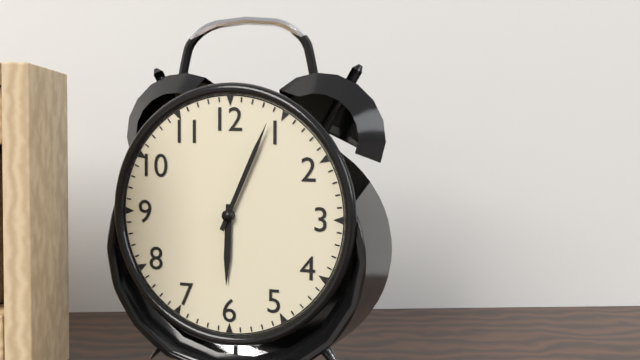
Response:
6h04
